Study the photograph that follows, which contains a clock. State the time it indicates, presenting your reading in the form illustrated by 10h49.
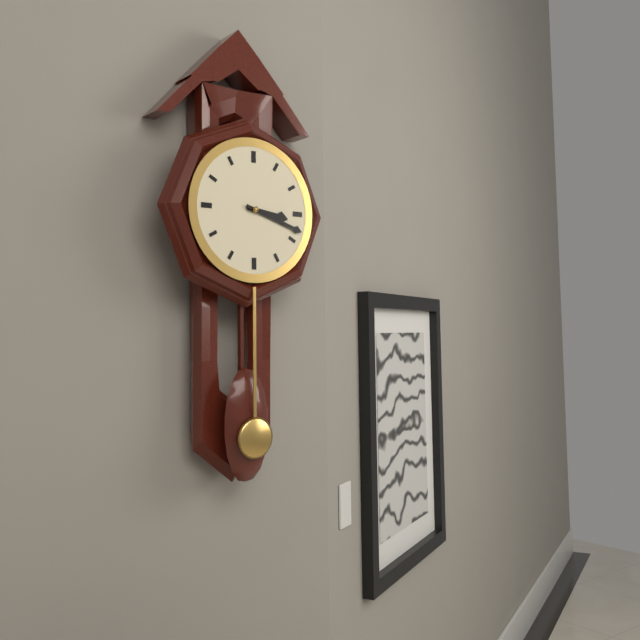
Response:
3h18
